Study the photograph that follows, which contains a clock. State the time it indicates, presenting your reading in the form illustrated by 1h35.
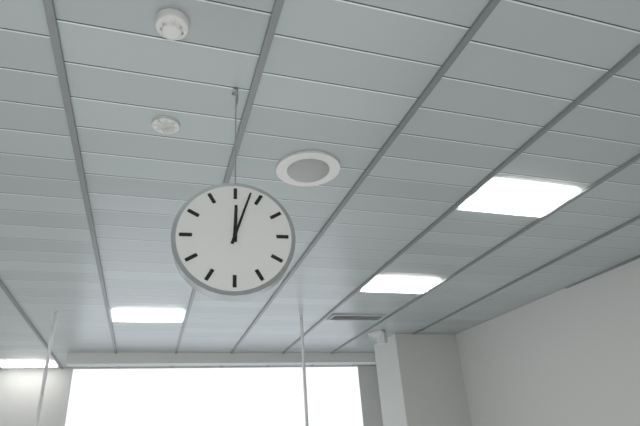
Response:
12h03
